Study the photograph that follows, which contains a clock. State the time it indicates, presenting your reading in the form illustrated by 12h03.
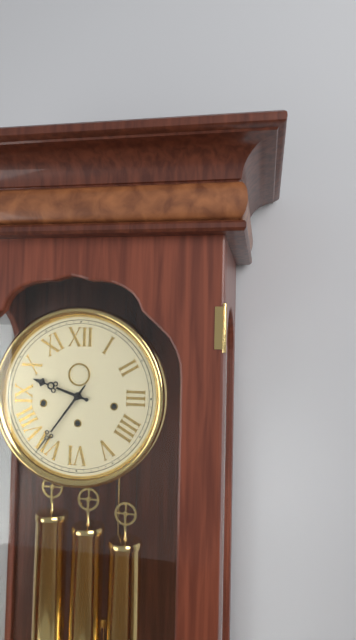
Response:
9h36
